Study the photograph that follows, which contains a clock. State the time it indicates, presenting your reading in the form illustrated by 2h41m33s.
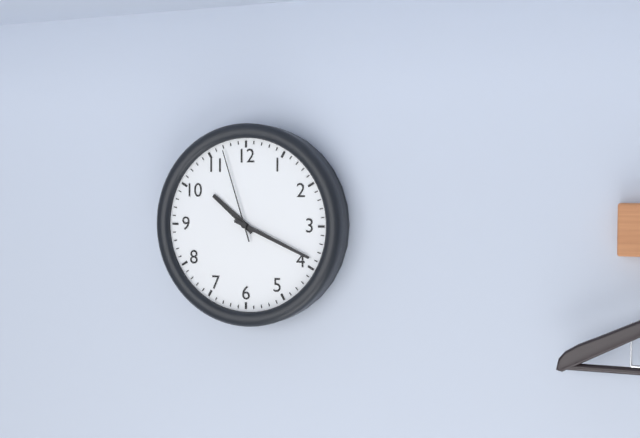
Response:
10h19m57s
